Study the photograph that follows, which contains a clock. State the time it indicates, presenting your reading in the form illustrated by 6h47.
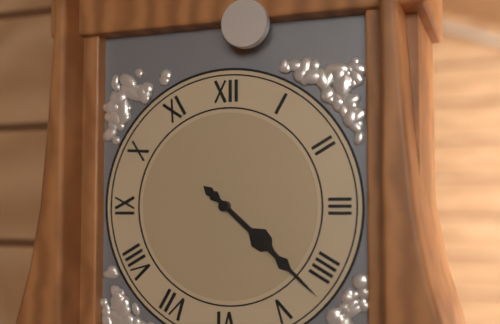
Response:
4h22
